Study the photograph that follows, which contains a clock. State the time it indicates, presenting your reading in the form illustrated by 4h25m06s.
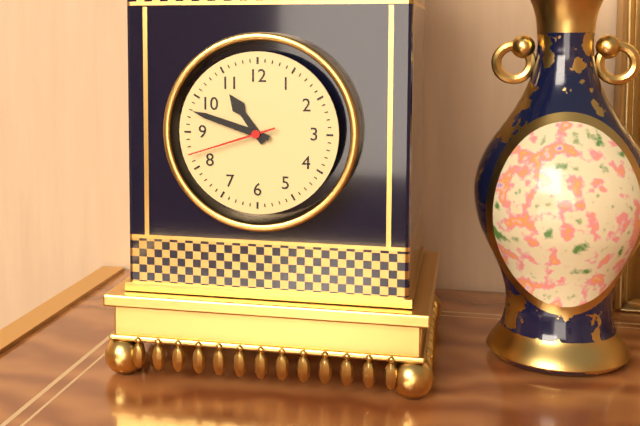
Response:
10h48m42s
